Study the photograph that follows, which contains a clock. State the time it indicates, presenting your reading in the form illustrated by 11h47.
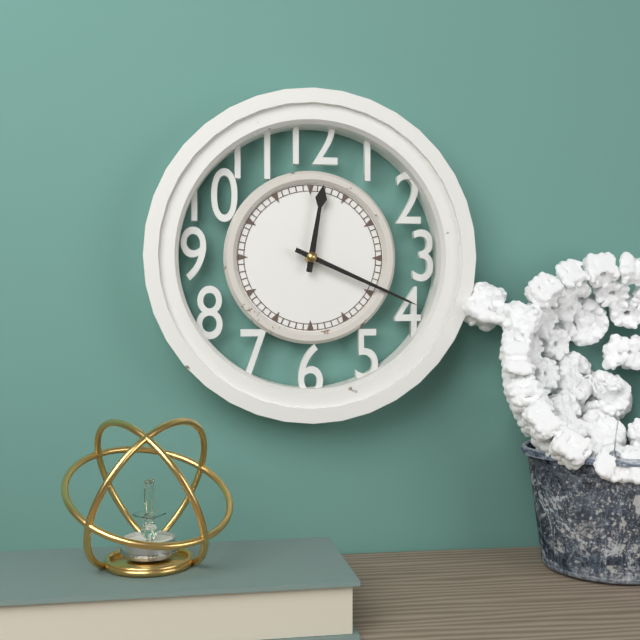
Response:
12h19
